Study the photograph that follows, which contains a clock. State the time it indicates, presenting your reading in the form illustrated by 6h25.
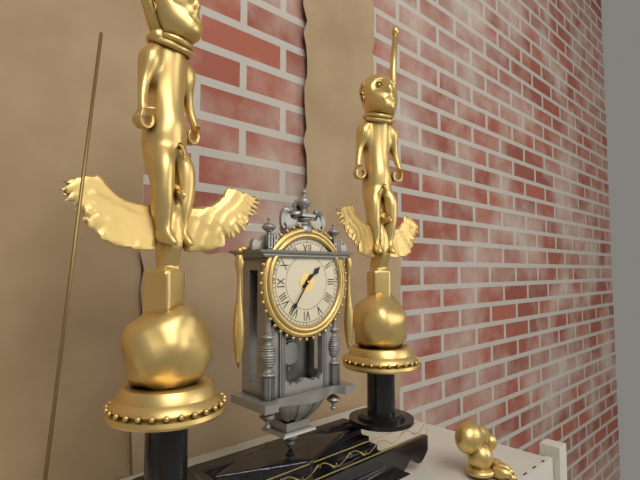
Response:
1h36
